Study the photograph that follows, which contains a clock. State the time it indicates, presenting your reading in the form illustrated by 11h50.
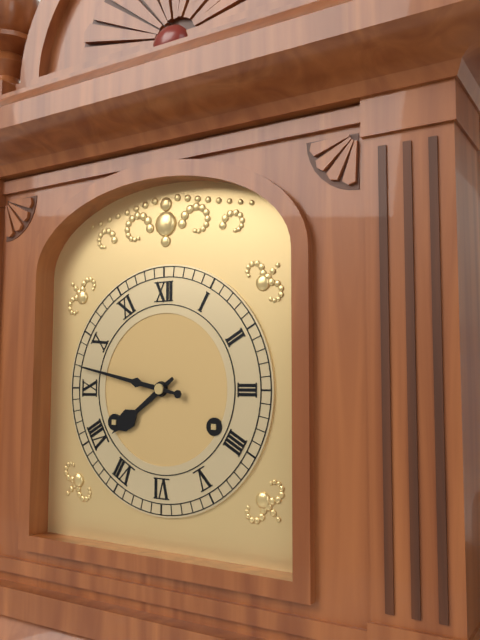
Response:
7h47
